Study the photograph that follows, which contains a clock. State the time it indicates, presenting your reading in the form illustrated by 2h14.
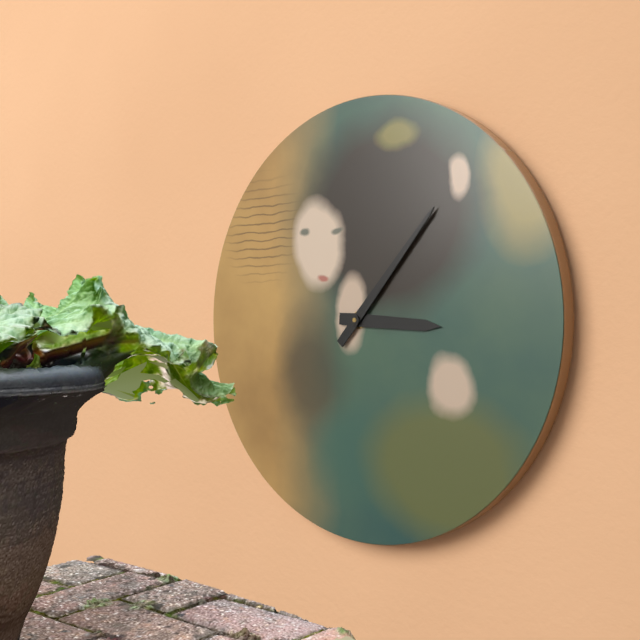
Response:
3h07
